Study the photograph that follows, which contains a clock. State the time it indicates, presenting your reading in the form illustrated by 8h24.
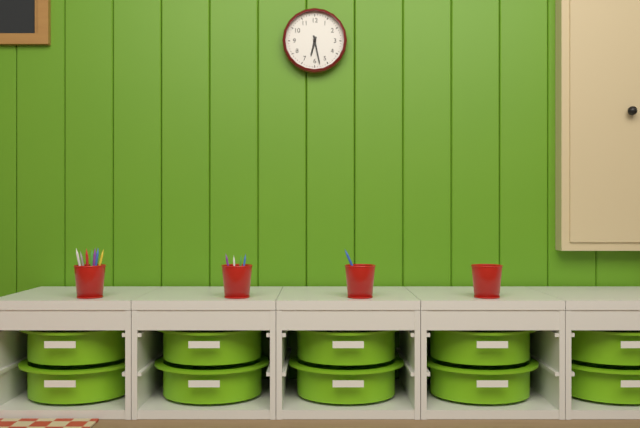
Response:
6h28
